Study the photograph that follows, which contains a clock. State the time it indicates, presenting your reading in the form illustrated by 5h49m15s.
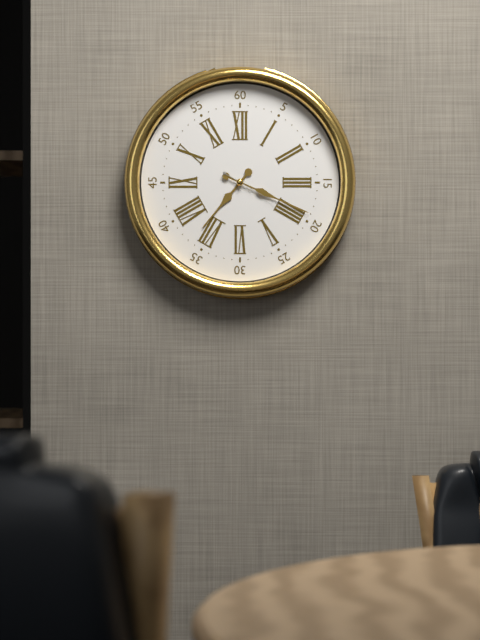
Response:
7h19m20s
